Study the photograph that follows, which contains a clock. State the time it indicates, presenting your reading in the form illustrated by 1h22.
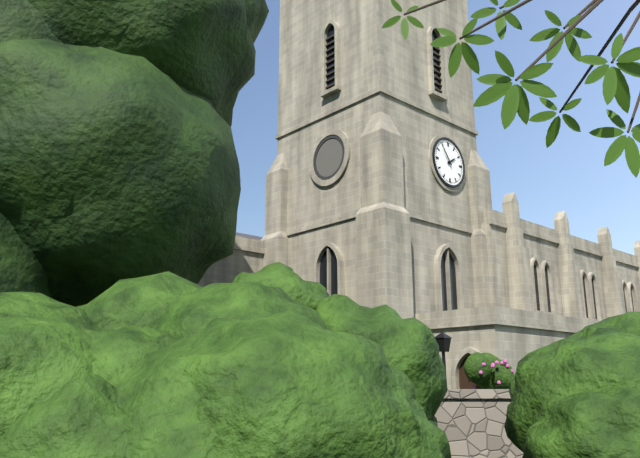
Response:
1h54
